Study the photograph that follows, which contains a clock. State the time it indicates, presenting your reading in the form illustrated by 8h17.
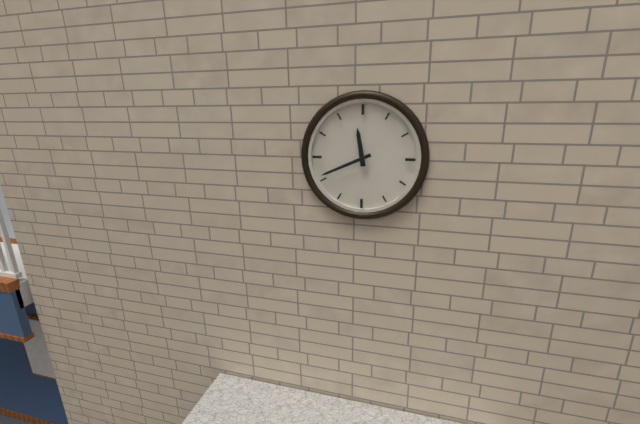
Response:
11h41
